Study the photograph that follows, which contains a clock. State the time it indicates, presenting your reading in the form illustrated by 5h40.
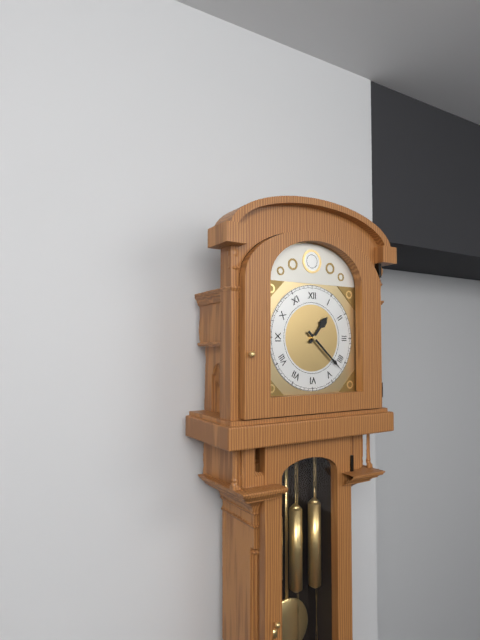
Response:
1h22
